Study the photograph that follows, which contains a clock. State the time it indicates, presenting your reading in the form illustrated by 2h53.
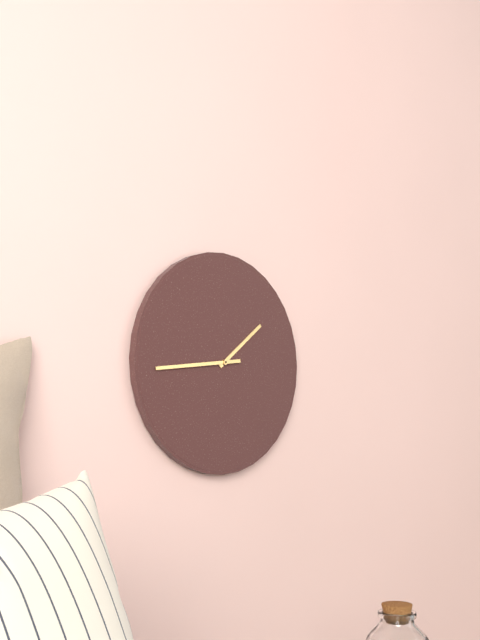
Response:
1h44
